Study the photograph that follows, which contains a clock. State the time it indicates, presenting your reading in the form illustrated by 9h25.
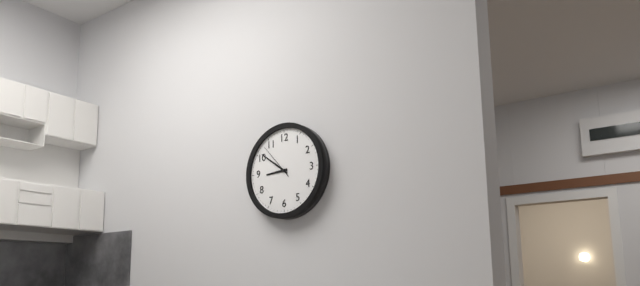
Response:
8h51
